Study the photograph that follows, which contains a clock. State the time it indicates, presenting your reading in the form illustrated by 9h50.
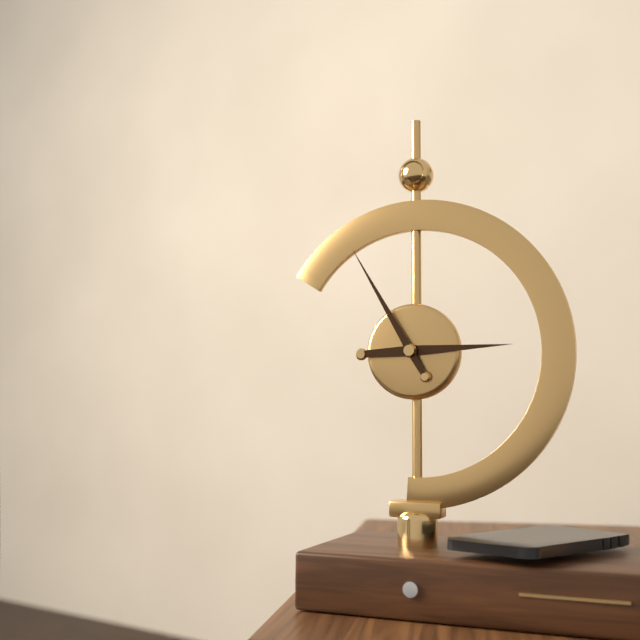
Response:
2h55
